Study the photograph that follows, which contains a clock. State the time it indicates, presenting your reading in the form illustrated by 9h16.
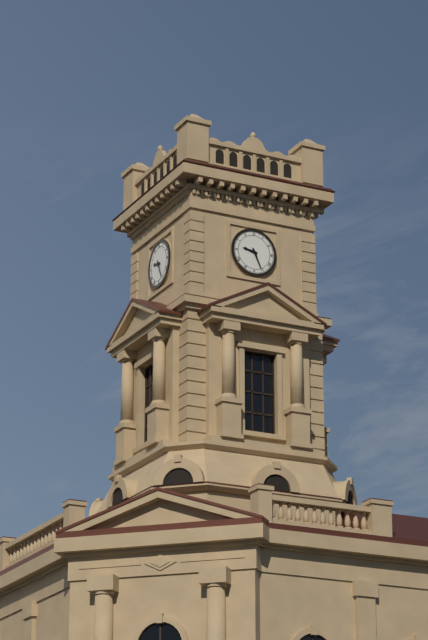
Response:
9h26
